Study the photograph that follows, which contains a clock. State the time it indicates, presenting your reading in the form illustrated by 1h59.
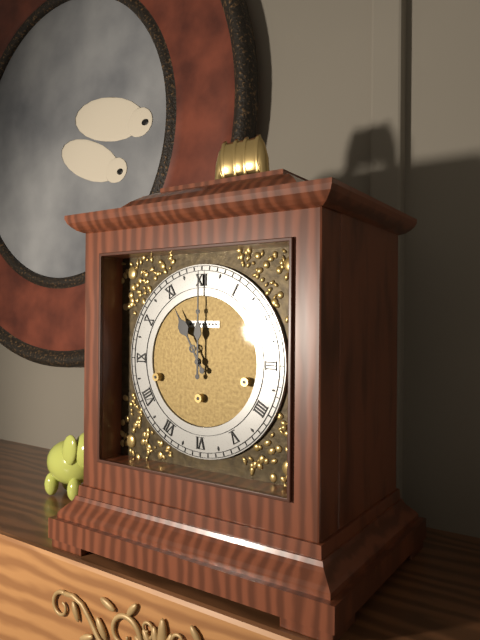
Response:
11h00
